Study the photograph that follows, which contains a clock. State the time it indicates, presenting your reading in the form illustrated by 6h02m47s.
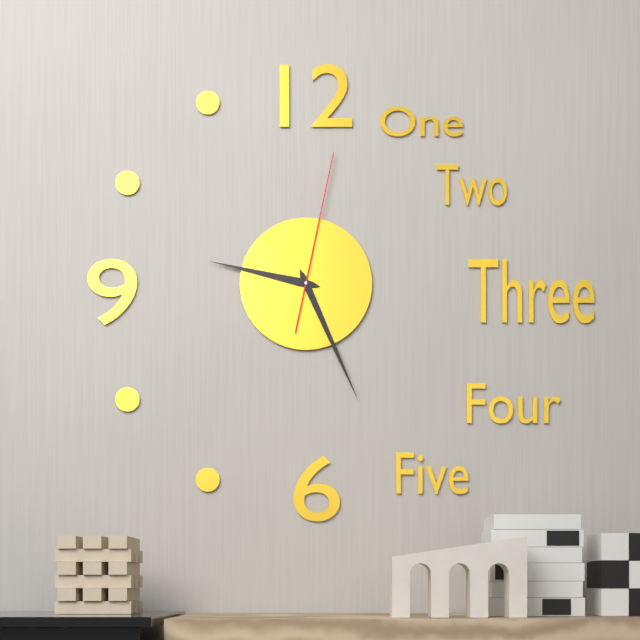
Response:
9h26m02s
